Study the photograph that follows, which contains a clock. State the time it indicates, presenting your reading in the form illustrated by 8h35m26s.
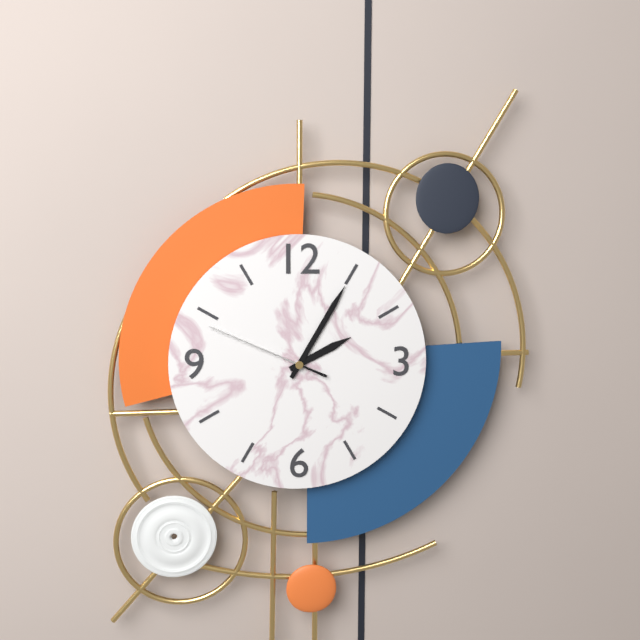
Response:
2h05m49s
